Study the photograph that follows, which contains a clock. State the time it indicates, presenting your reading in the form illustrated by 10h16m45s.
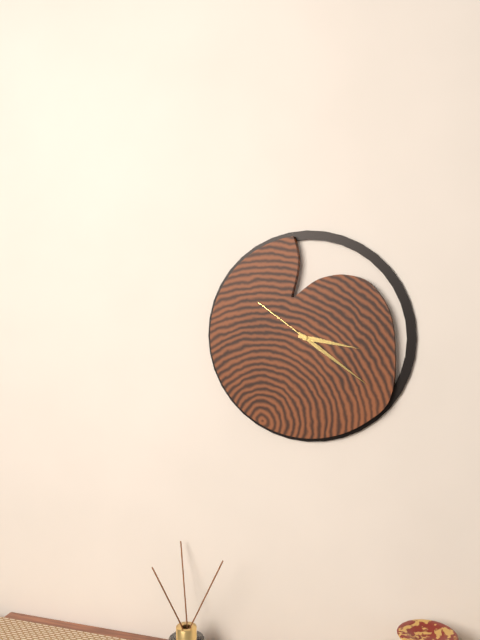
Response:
3h21m51s
